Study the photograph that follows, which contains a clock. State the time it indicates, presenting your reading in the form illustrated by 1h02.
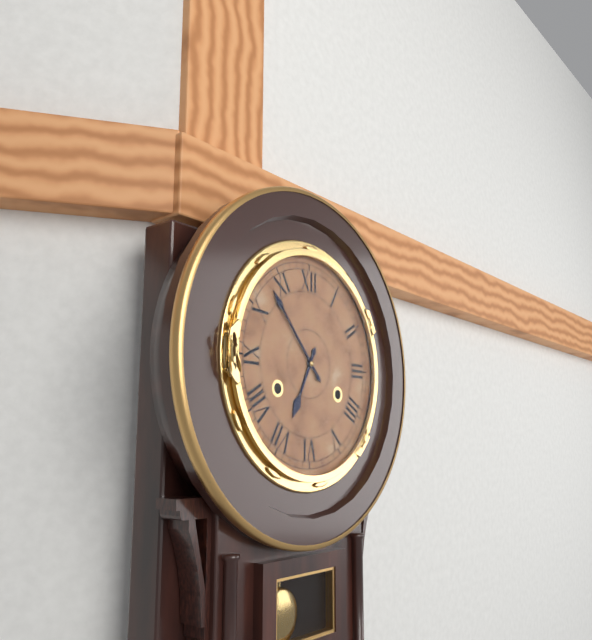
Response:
6h53
